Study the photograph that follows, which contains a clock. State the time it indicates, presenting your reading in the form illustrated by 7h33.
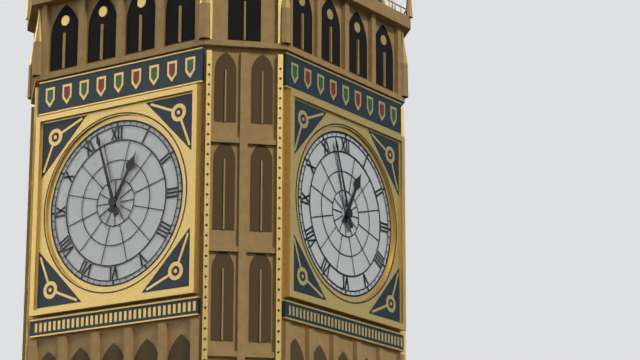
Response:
12h57
